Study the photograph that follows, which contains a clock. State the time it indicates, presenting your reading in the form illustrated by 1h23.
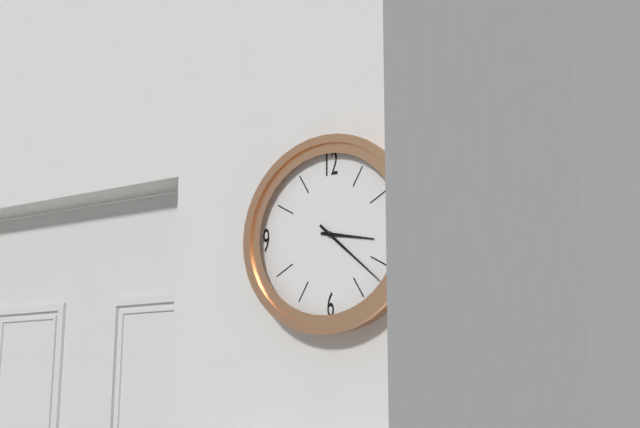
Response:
3h22
